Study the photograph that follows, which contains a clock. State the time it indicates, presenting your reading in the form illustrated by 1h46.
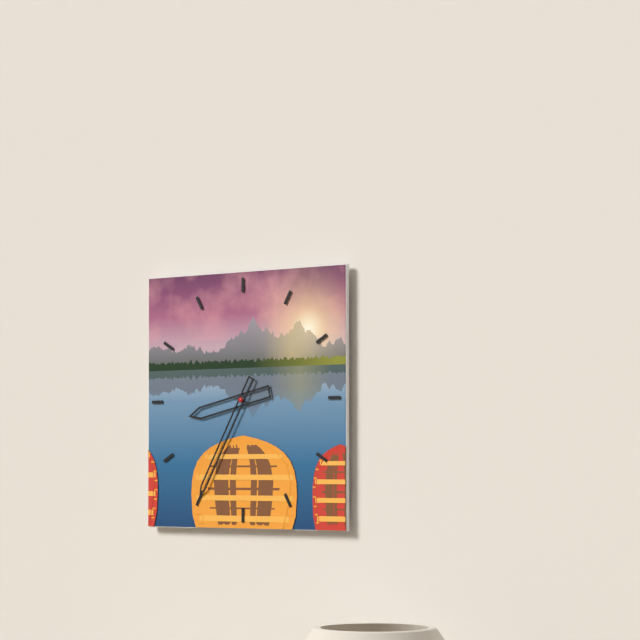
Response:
8h35
